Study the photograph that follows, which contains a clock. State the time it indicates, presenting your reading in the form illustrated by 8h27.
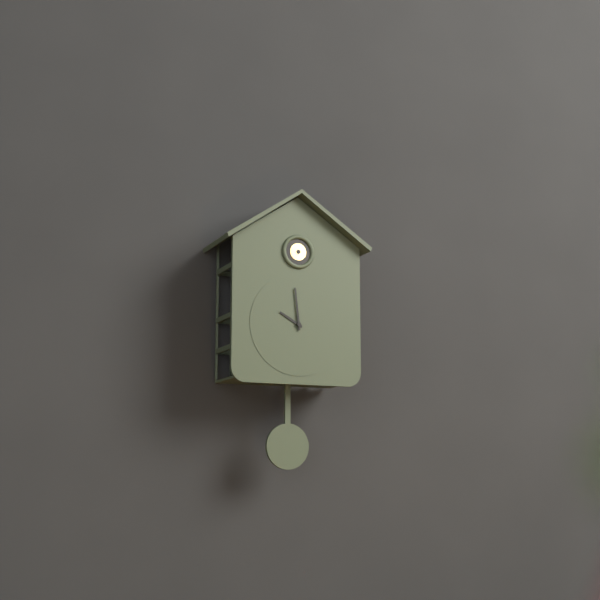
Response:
9h59
